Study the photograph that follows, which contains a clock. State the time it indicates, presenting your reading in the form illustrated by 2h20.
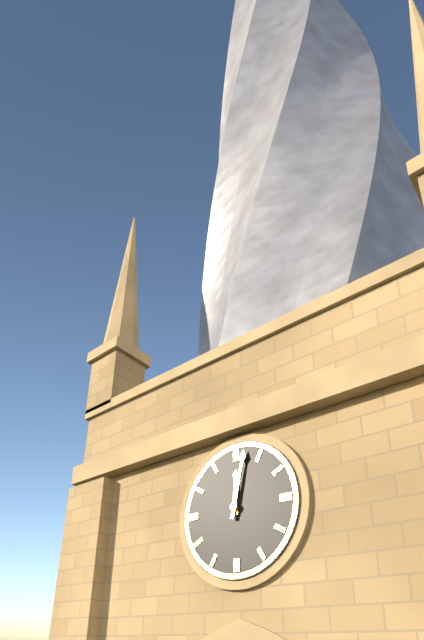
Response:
12h02
